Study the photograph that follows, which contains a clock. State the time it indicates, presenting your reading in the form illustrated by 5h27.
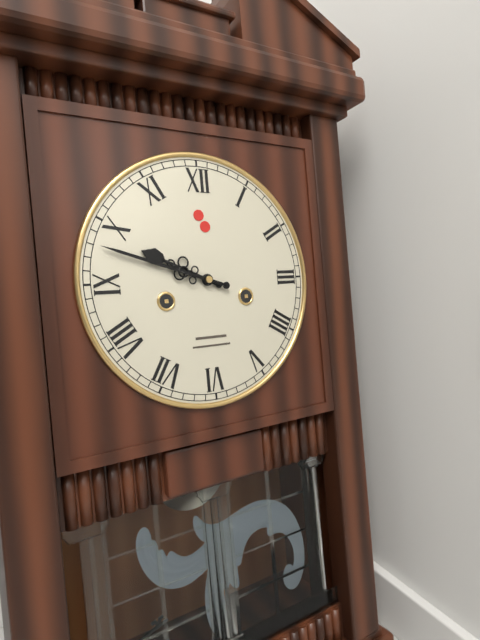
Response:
9h48
